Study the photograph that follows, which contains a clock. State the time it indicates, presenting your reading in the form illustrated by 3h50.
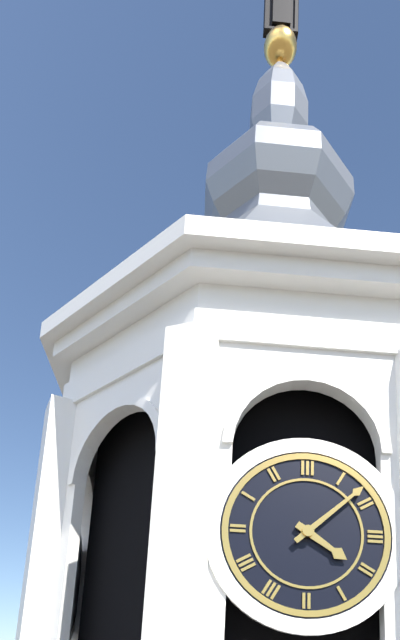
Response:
4h08
